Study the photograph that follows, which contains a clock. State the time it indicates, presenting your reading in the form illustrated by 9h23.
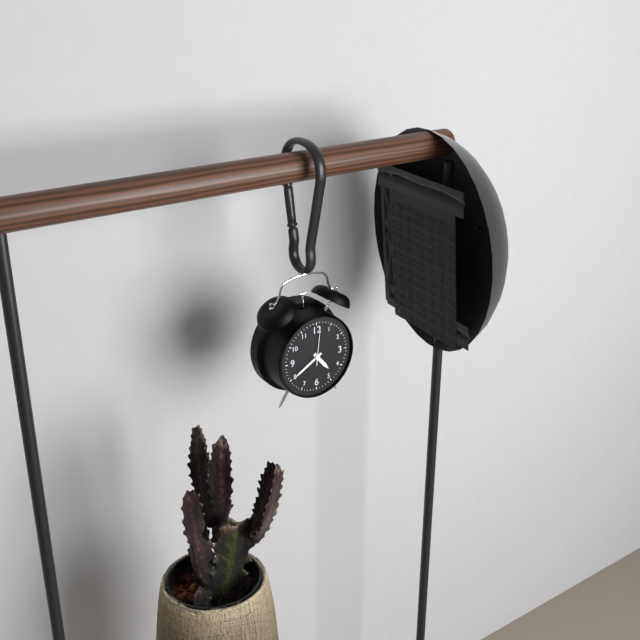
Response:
4h40
